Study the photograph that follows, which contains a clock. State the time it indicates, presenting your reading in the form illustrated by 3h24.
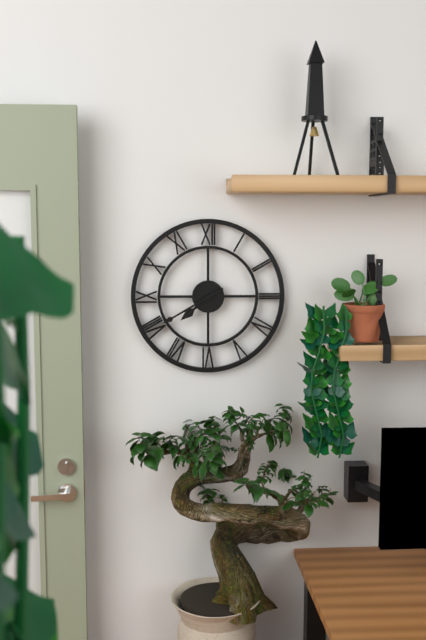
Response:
7h40
